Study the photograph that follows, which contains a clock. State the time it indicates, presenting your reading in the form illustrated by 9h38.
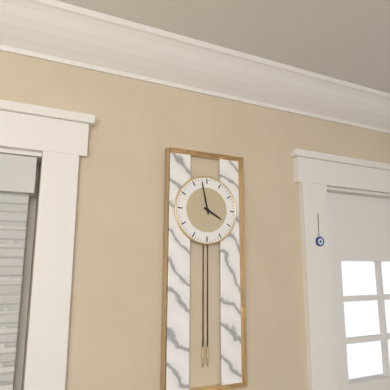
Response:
3h58
